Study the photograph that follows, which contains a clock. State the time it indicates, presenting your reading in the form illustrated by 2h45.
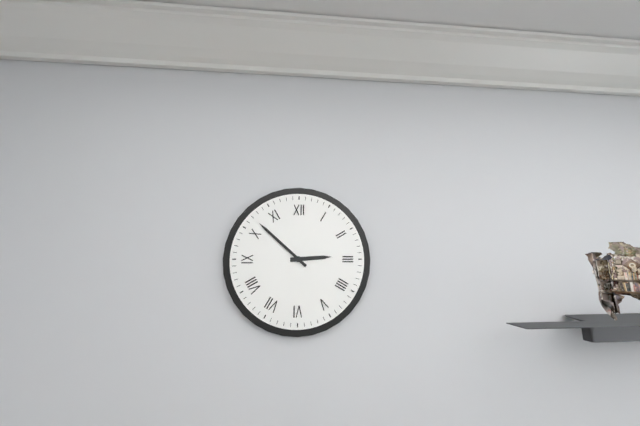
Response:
2h52
